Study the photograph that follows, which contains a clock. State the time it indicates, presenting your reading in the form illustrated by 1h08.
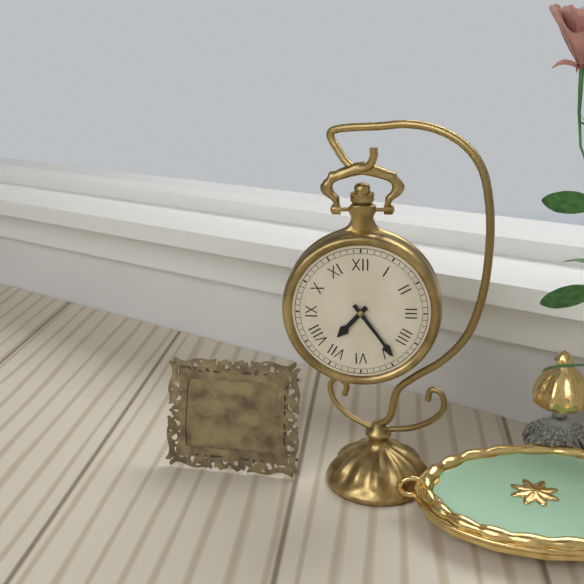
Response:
7h24
